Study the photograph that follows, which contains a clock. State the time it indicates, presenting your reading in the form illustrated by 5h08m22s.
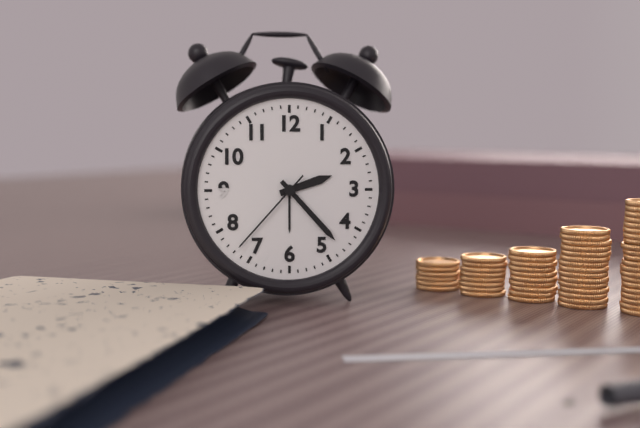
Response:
2h23m37s
